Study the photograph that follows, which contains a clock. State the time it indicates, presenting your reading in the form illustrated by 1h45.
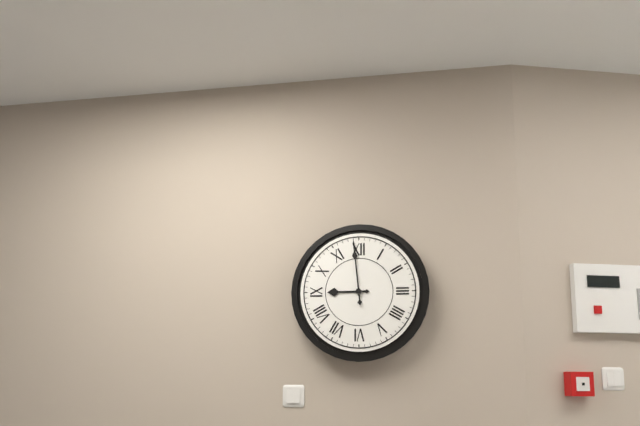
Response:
8h59
